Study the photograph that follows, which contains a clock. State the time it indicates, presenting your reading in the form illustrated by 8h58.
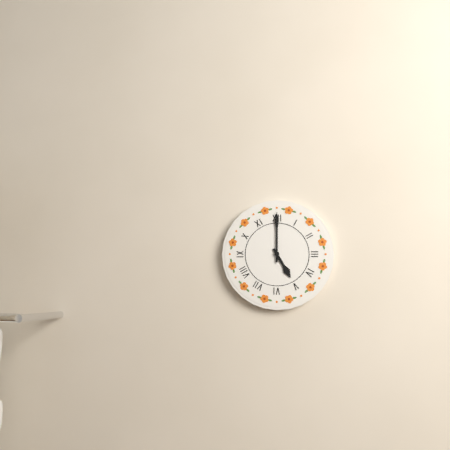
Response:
5h00
